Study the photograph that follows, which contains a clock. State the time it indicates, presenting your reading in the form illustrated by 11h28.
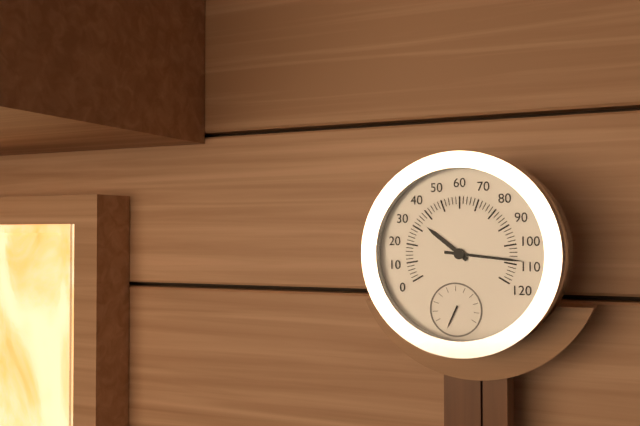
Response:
10h16
